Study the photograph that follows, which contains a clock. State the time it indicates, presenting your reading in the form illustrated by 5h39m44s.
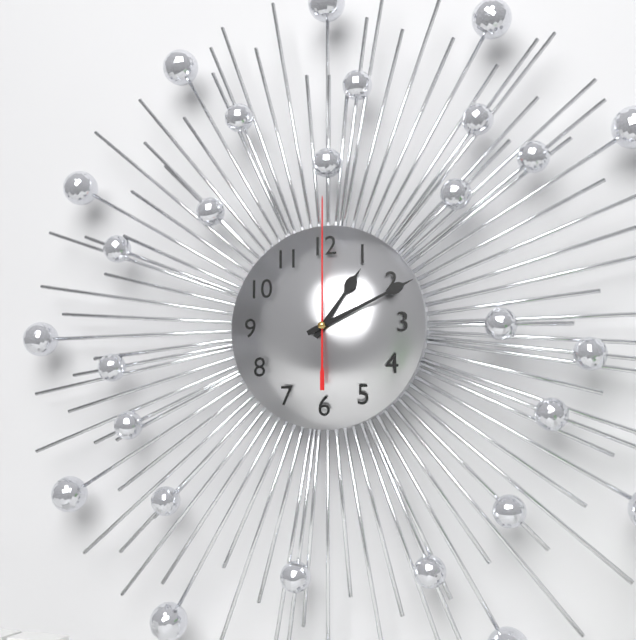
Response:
1h11m00s
